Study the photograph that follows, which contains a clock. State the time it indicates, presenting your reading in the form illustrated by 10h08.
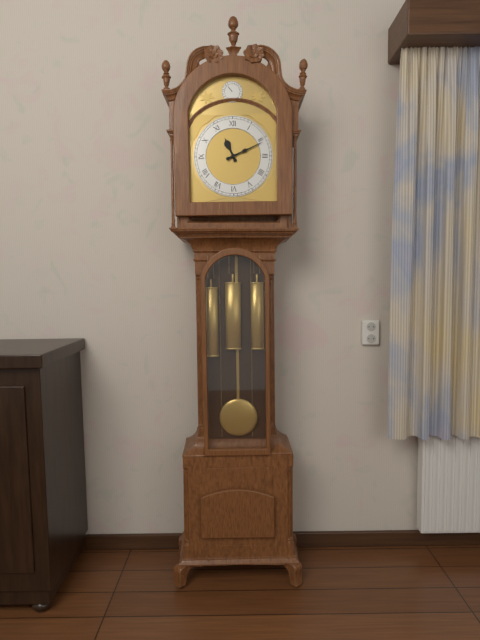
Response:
11h11
